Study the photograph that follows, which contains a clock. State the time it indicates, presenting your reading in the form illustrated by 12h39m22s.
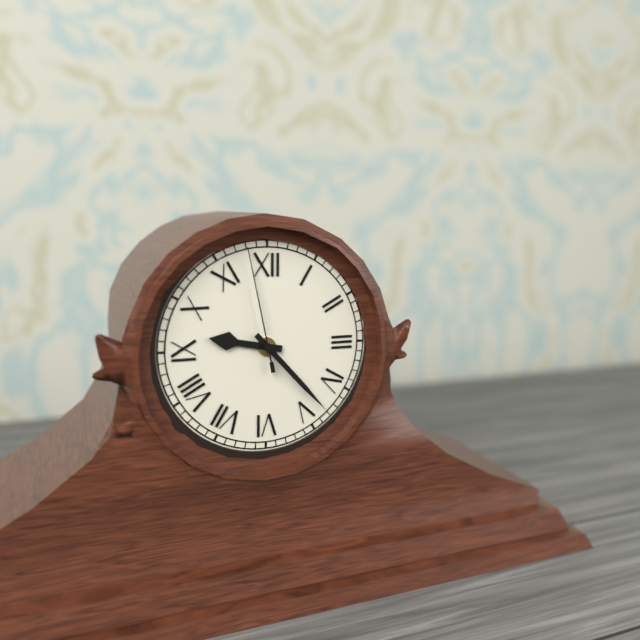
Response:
9h23m58s
